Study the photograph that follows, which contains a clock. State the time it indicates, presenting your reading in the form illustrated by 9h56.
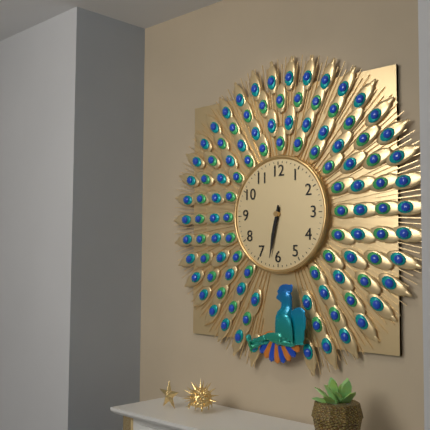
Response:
6h32
